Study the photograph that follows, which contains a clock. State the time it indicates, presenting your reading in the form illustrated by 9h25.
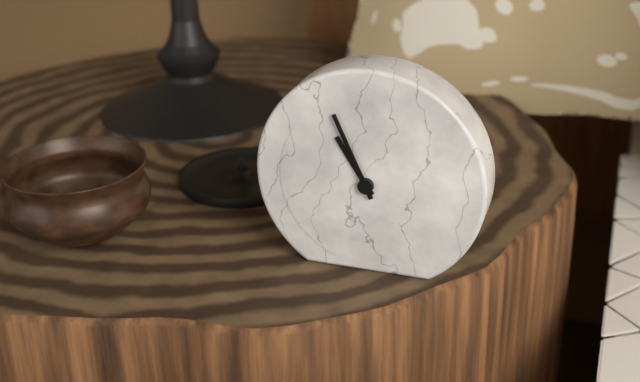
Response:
10h56
